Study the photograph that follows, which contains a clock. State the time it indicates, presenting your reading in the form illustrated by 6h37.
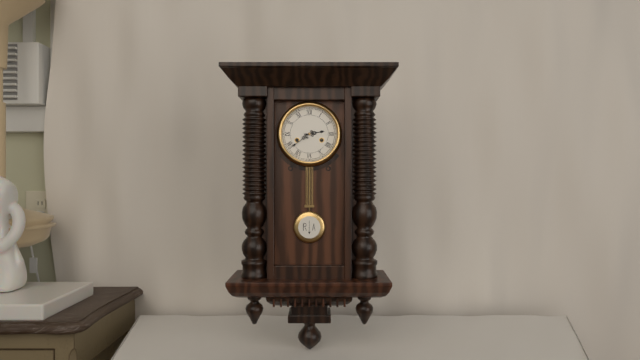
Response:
2h39
